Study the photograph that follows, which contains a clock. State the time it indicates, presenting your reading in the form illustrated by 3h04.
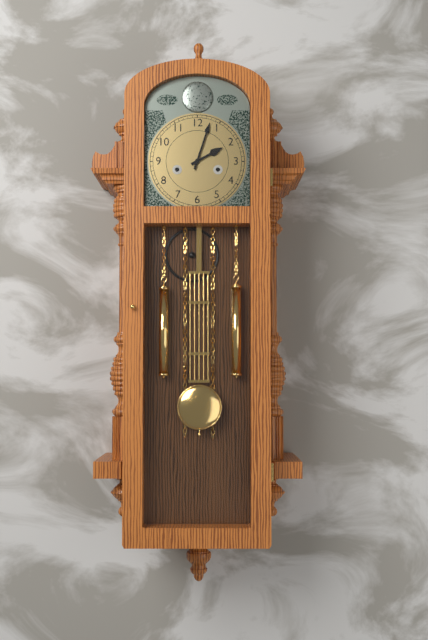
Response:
2h03
